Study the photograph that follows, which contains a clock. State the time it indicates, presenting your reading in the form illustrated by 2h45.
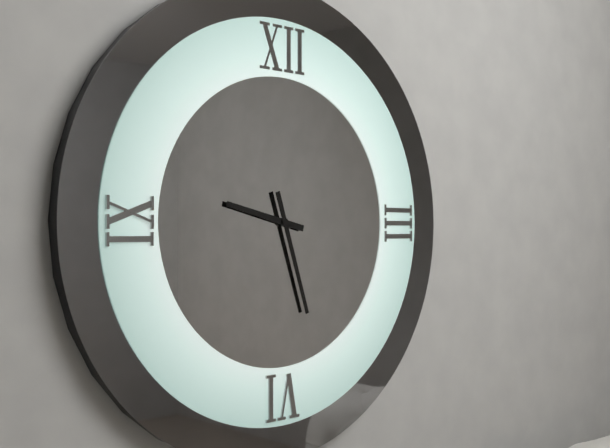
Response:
9h27
